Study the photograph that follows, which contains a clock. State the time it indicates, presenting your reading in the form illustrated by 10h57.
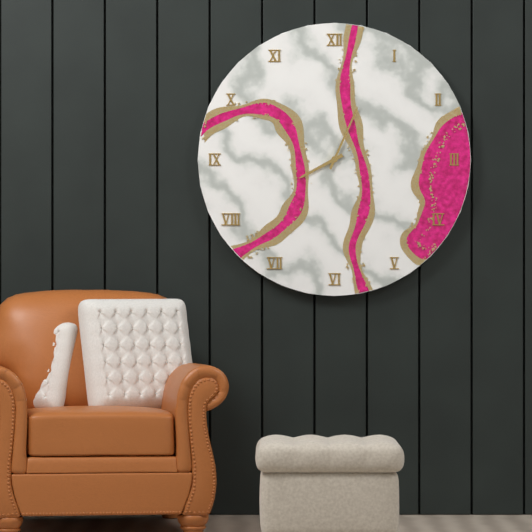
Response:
8h04
